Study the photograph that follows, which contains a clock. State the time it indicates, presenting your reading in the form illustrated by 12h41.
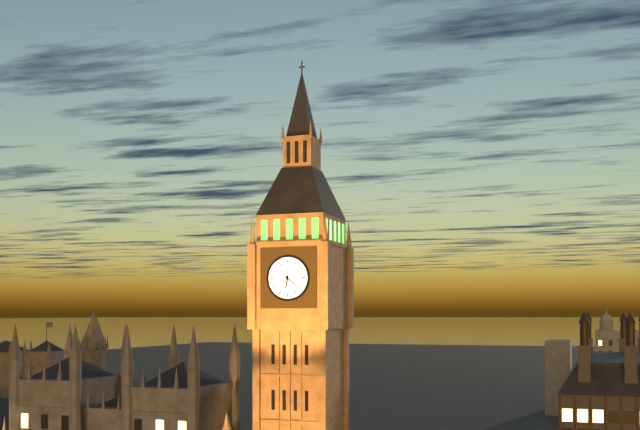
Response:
6h22
